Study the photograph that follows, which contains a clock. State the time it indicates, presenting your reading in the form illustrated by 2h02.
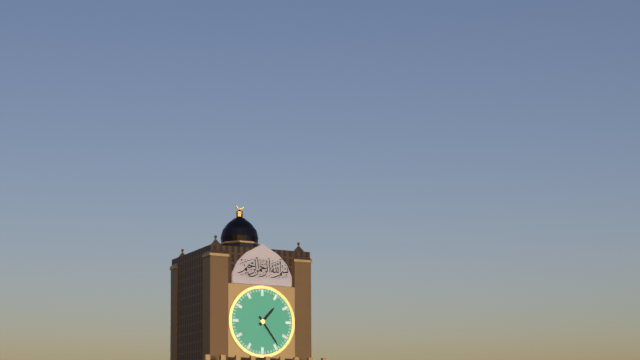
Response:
1h24
